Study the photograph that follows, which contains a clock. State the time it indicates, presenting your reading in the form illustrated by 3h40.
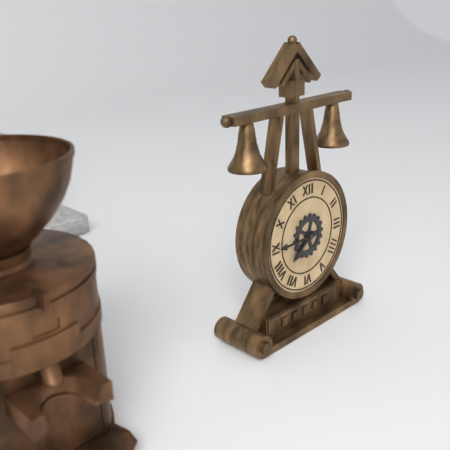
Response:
7h45
